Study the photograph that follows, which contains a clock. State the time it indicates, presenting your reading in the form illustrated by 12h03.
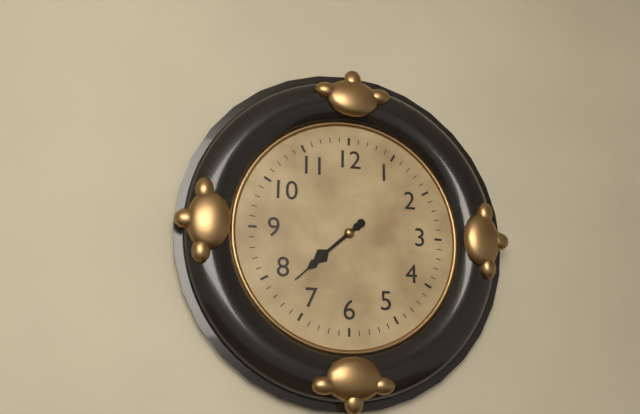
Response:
7h38
